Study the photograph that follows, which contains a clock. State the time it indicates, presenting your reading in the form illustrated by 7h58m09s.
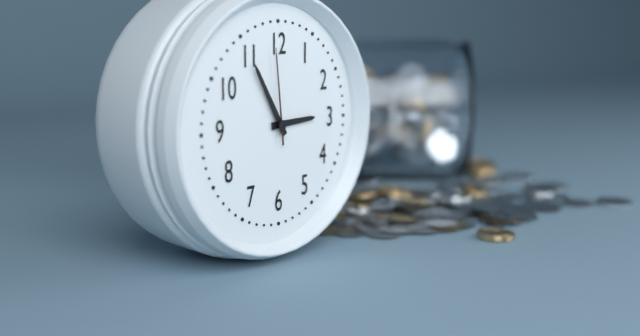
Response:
2h55m59s
